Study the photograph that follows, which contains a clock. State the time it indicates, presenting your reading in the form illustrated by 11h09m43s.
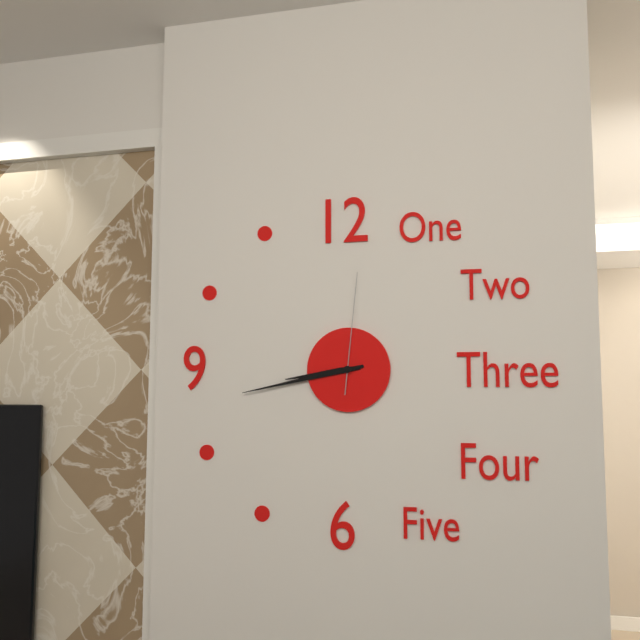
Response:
8h43m01s
